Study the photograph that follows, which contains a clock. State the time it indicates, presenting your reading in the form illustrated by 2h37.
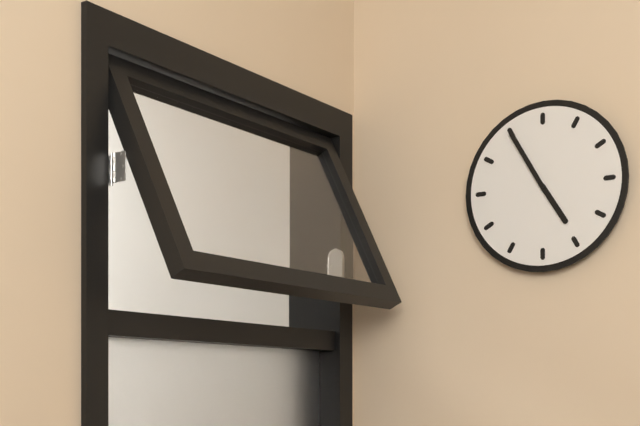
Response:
4h55
